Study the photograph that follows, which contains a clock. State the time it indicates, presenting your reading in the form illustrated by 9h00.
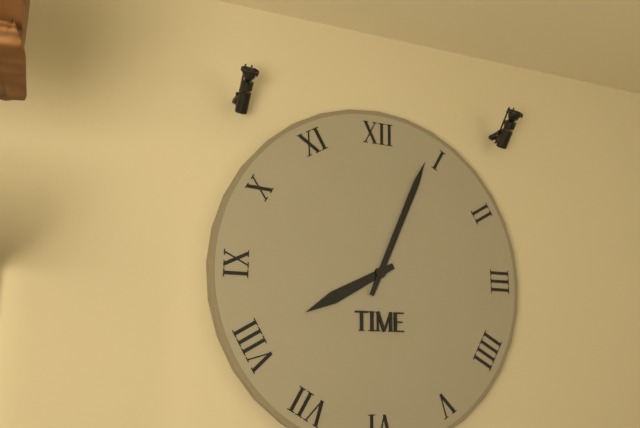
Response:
8h04
